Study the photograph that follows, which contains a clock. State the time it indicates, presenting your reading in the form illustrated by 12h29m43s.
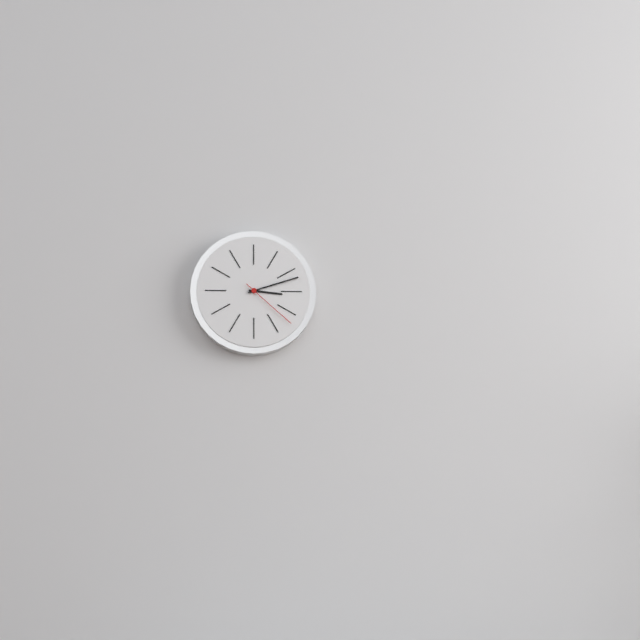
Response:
3h12m22s
